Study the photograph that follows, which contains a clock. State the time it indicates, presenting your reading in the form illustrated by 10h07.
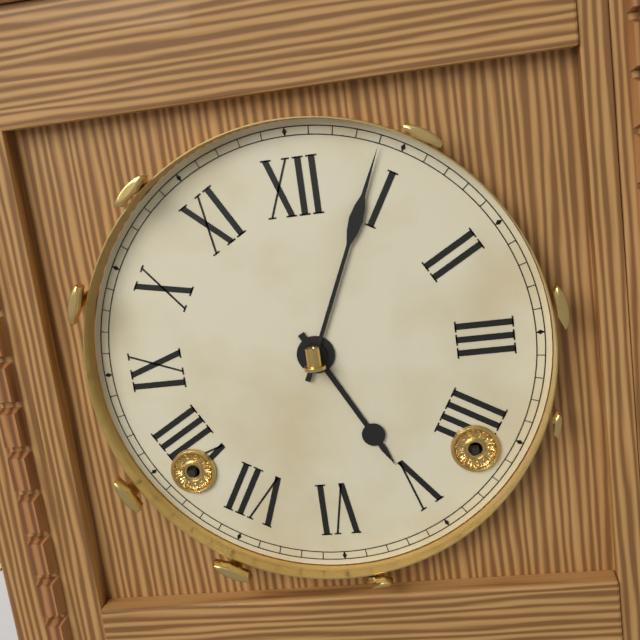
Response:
5h04
